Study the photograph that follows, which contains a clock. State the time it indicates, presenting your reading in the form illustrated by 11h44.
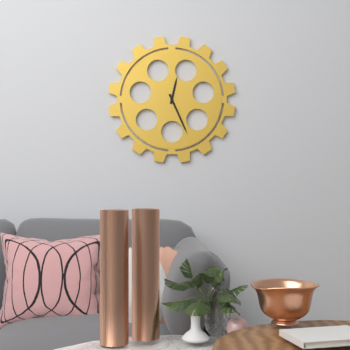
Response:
12h26
